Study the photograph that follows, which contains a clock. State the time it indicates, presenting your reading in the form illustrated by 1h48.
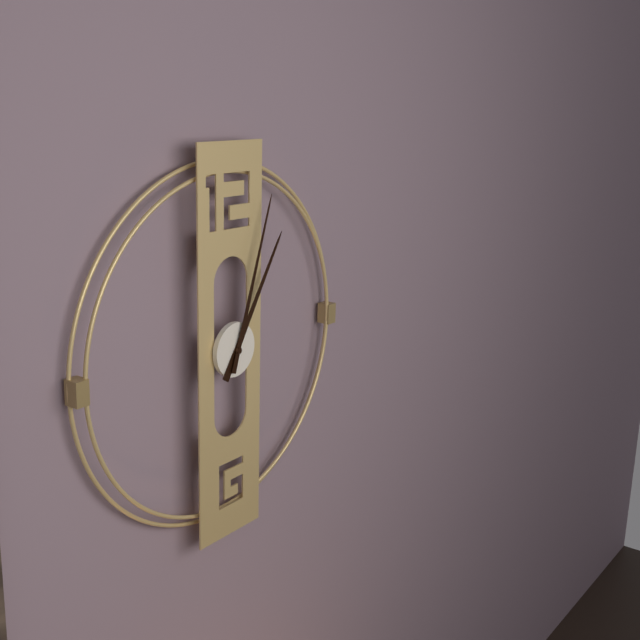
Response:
1h03
